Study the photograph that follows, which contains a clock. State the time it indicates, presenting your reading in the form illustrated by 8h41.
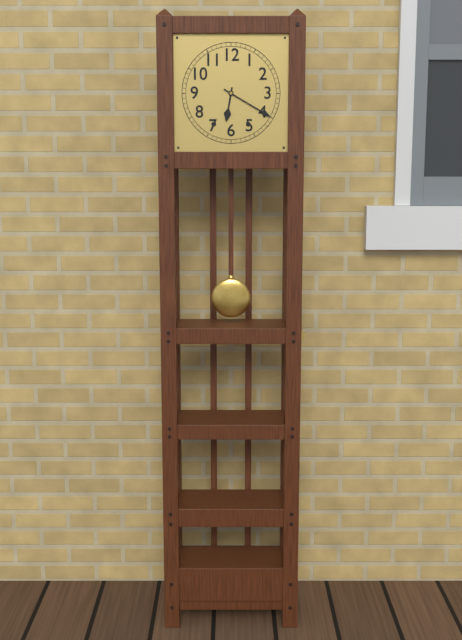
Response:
6h20
